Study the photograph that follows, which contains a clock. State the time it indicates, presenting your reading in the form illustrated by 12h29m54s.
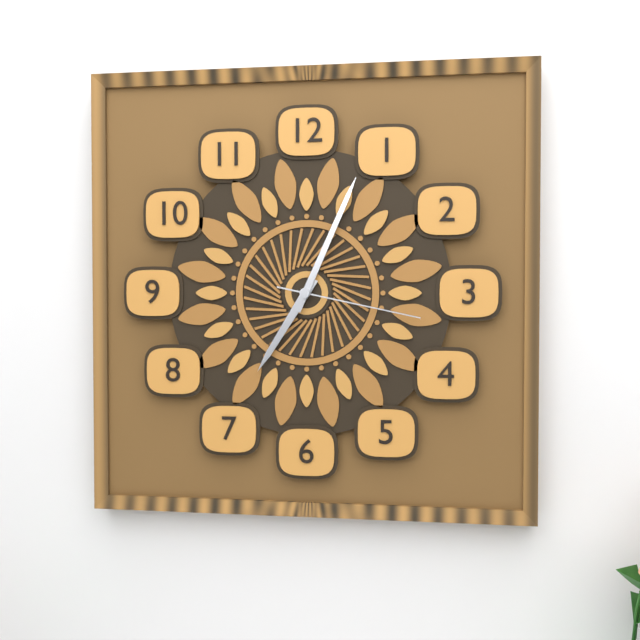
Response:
7h04m17s
